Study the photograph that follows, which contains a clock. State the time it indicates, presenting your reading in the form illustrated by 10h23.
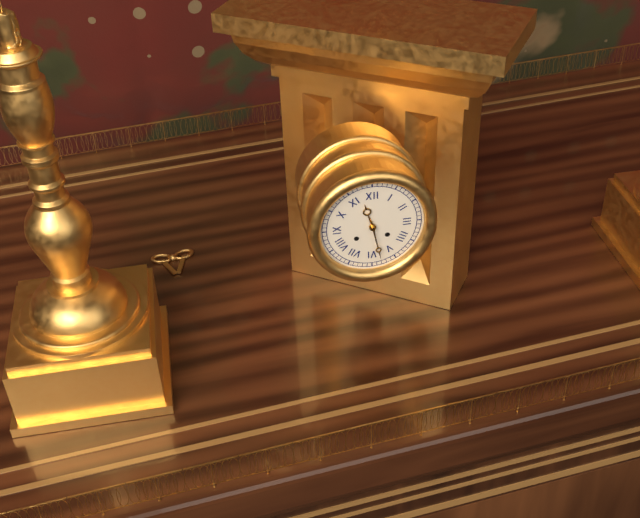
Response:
11h28
